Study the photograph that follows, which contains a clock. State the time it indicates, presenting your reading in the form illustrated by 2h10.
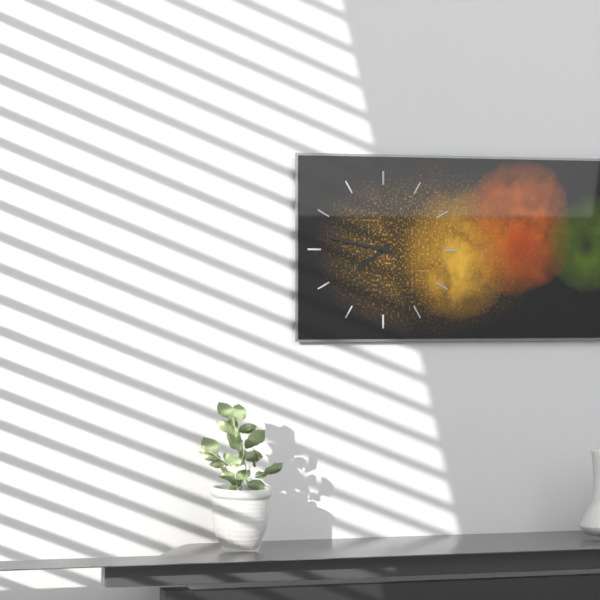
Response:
7h47
